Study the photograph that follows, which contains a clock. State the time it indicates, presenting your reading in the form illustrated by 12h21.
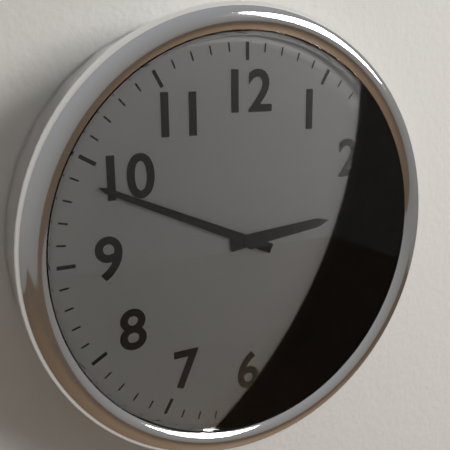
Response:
2h49
